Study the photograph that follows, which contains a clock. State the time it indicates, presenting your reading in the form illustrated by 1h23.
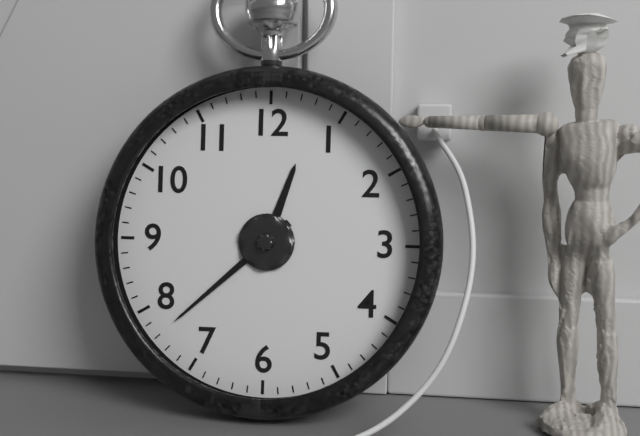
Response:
12h38
